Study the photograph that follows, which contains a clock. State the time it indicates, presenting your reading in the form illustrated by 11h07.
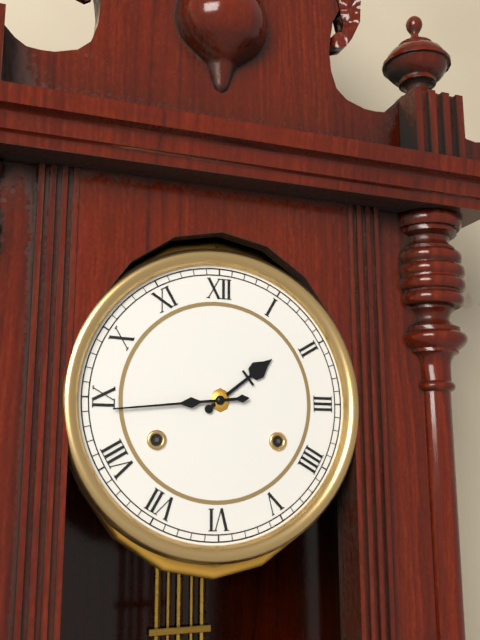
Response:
1h44
